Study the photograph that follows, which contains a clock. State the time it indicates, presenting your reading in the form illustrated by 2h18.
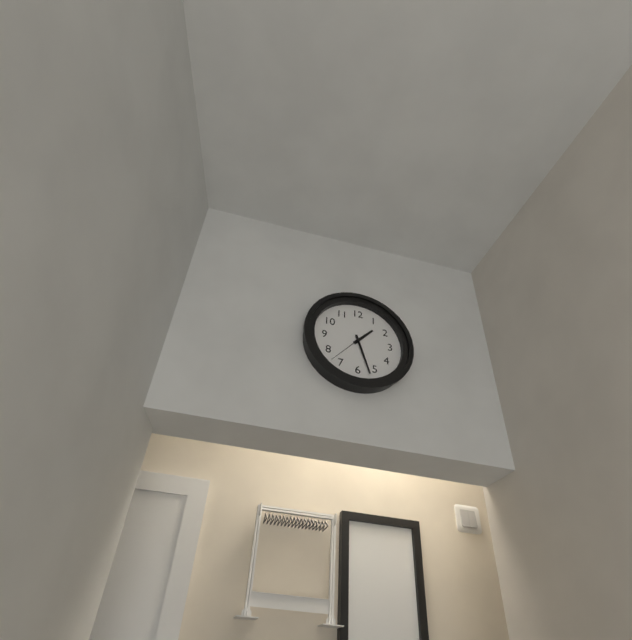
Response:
1h27
